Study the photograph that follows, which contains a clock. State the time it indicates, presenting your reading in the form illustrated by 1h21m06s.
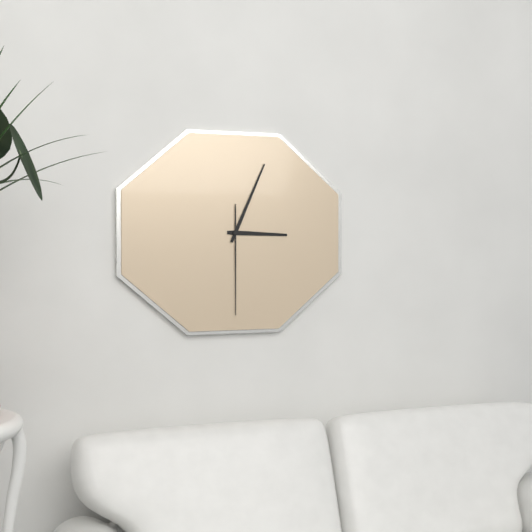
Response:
3h04m30s
